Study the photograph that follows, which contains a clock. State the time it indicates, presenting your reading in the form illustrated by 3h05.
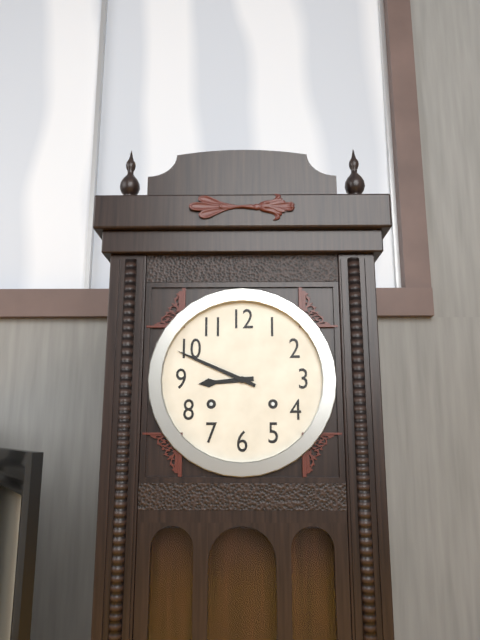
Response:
8h49
